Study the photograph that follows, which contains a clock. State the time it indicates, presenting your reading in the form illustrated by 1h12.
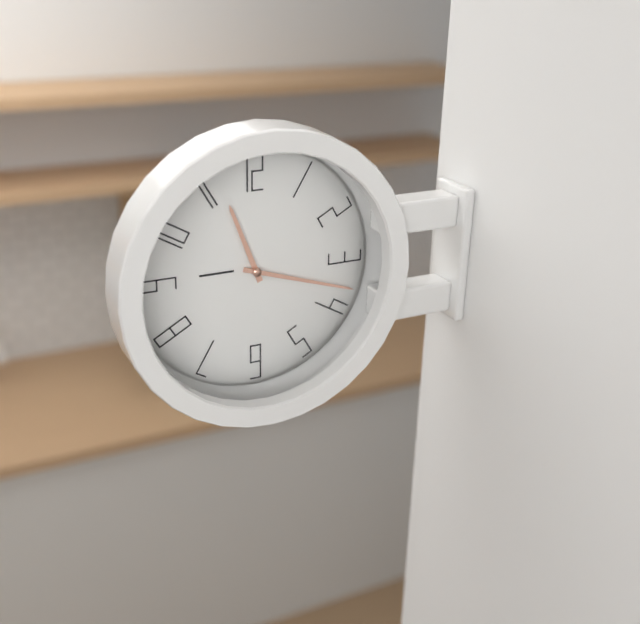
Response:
11h18
